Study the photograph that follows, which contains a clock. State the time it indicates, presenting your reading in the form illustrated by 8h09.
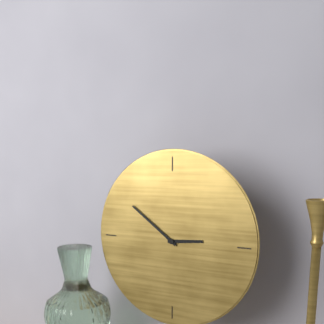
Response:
2h51
